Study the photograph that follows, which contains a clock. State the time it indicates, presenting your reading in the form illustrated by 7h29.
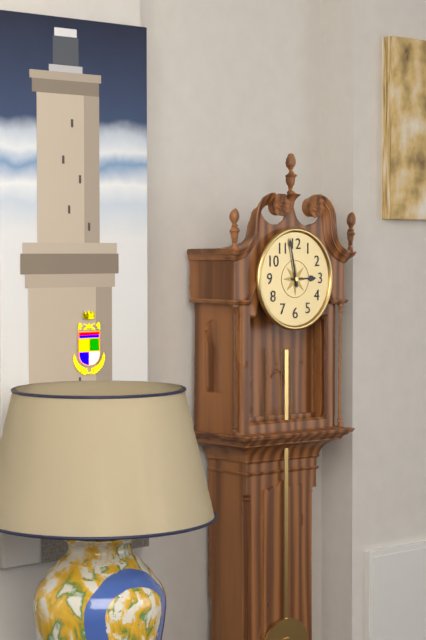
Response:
2h58
